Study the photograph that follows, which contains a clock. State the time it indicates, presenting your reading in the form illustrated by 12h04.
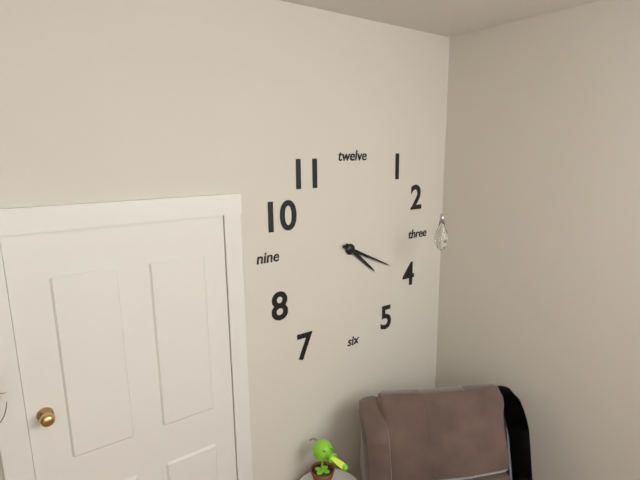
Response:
4h19
